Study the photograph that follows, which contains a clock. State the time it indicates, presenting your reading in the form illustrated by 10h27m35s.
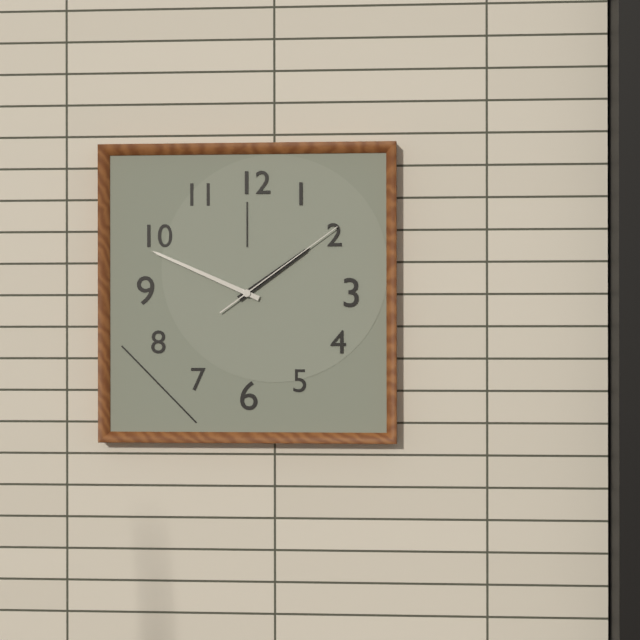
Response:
1h49m09s
